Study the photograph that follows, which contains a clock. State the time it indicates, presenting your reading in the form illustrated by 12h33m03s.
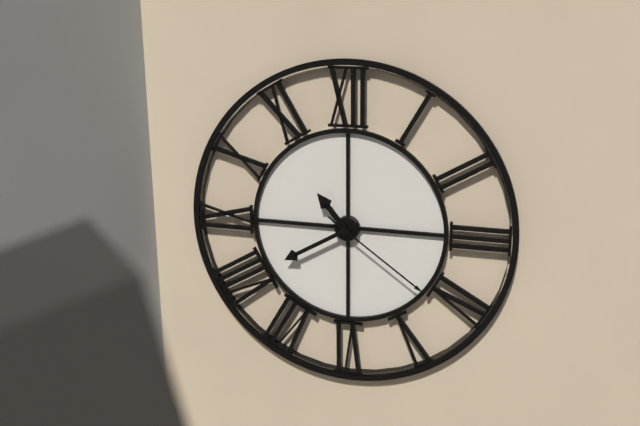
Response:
10h40m21s
